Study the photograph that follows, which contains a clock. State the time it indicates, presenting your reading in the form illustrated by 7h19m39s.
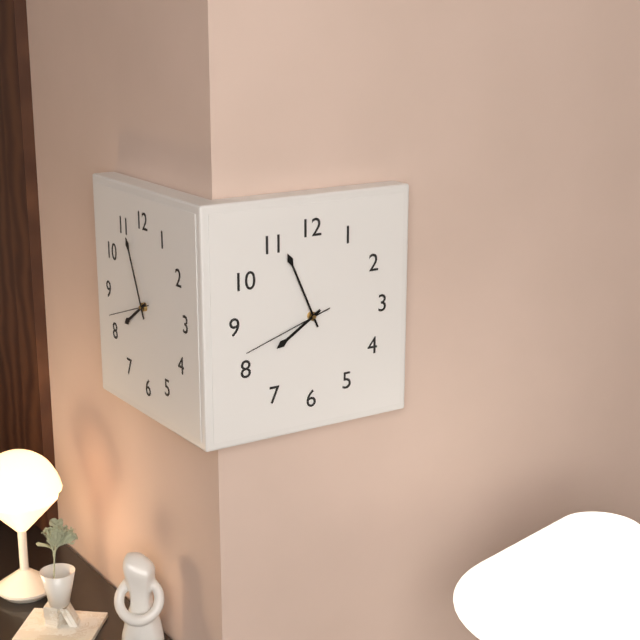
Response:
7h56m42s
